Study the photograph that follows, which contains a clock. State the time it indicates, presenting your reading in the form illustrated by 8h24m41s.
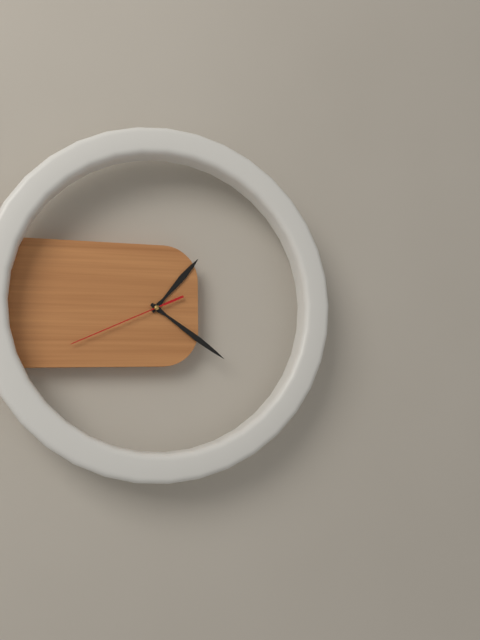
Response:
1h21m41s
